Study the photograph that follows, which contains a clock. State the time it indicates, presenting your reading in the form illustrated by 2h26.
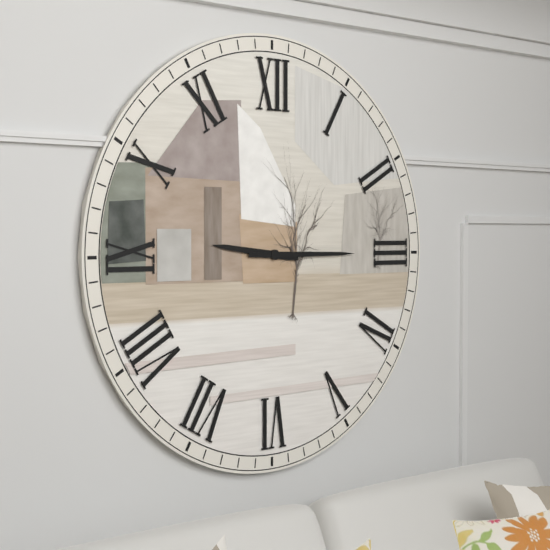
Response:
9h15
